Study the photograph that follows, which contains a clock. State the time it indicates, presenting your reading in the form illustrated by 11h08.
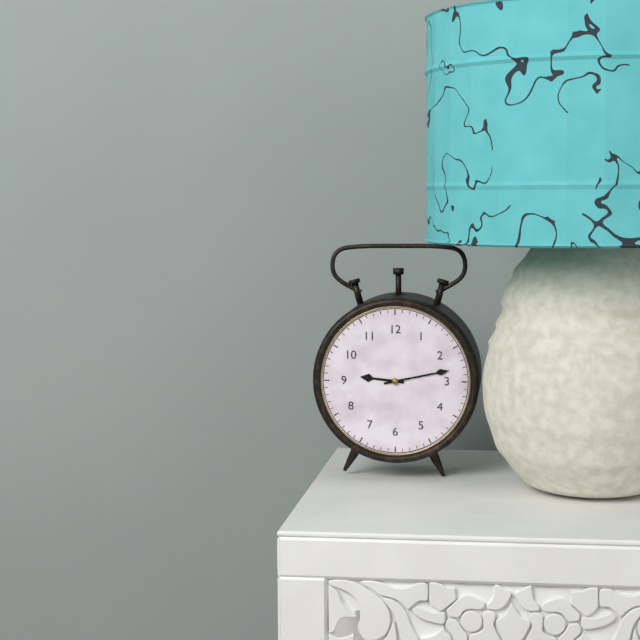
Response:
9h13
